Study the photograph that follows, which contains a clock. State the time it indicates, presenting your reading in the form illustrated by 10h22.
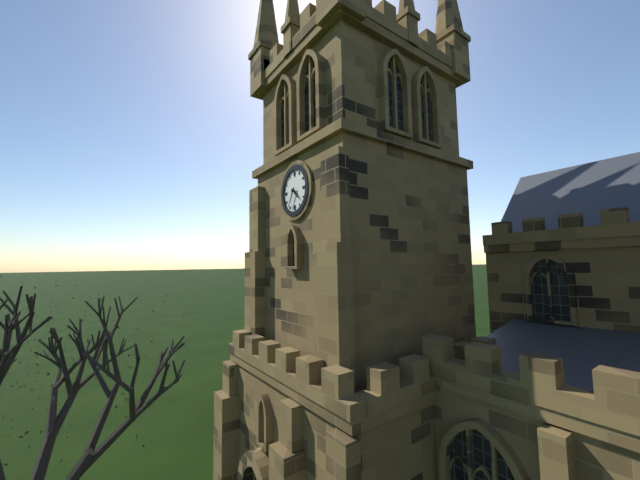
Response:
4h35
